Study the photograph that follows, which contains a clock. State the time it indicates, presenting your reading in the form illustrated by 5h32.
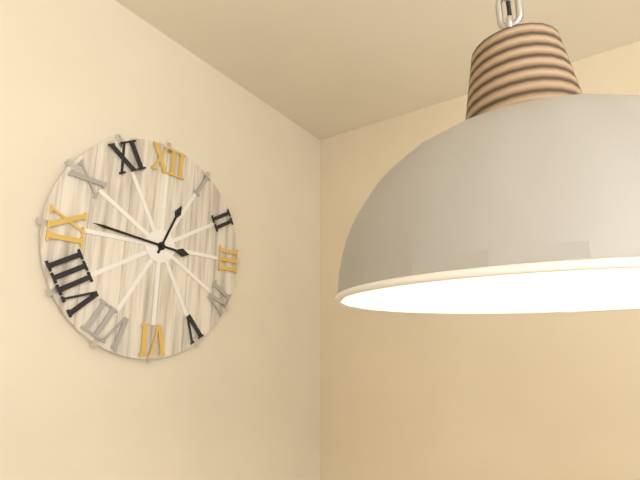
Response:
12h46
